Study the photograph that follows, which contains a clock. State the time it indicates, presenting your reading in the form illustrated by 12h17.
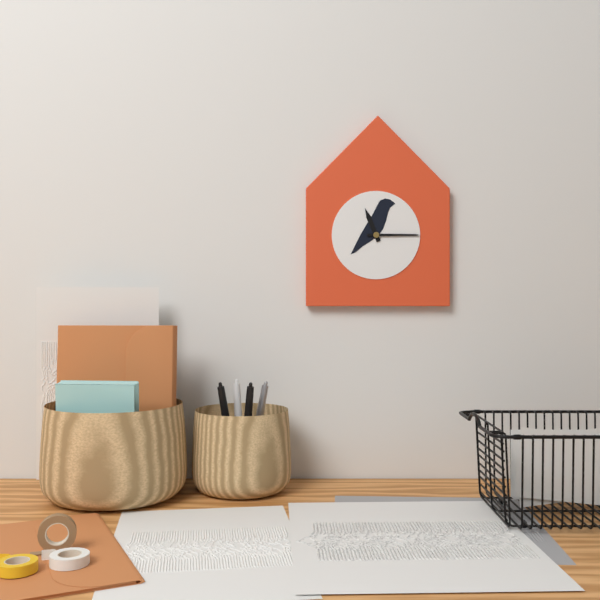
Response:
11h15
